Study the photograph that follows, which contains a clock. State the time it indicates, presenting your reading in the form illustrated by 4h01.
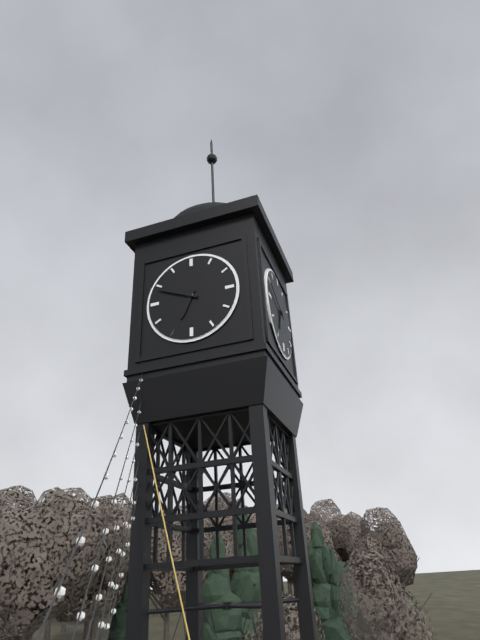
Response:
6h49
